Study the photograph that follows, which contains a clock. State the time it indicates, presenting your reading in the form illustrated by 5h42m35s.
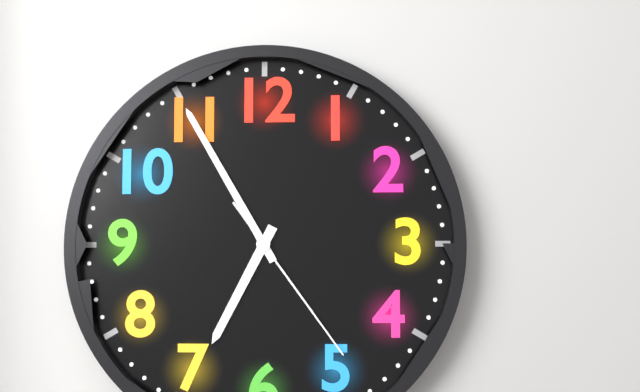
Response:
6h55m24s
